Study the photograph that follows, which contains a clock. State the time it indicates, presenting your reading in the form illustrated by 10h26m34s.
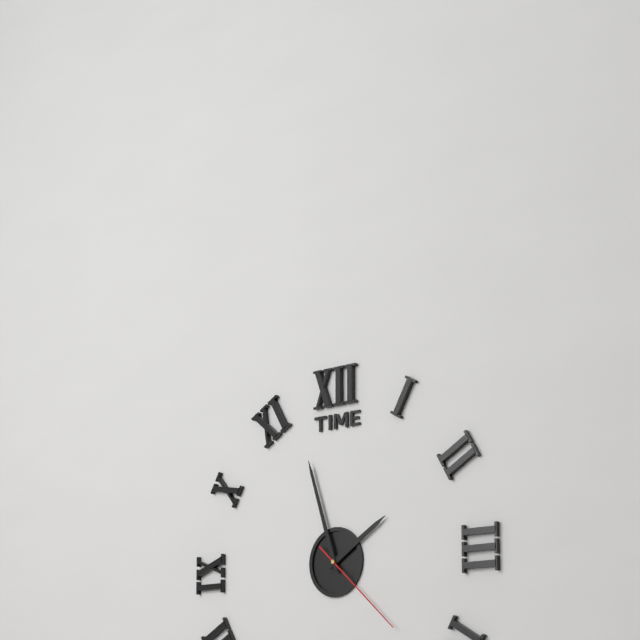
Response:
1h57m22s
